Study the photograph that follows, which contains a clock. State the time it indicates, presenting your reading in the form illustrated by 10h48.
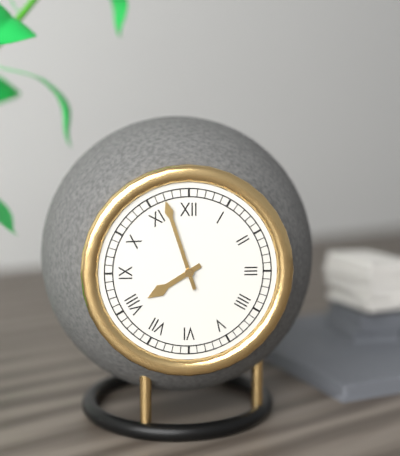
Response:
7h57
